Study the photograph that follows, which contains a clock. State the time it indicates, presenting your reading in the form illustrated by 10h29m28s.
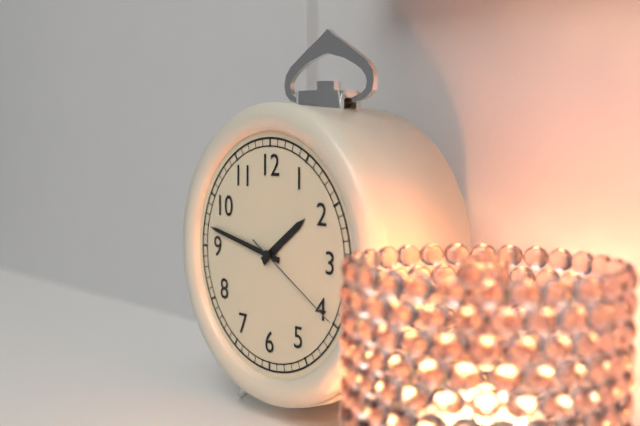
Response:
1h47m20s
